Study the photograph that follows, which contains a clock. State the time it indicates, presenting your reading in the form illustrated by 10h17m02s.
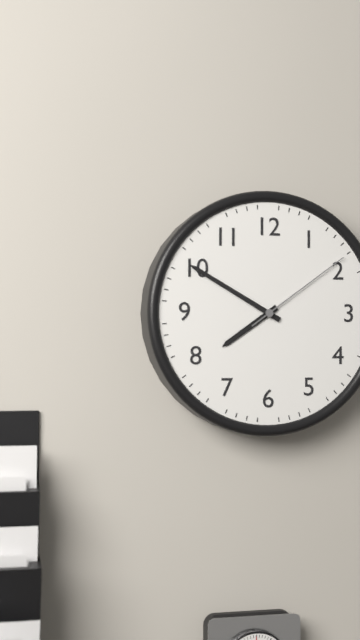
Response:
7h50m09s
